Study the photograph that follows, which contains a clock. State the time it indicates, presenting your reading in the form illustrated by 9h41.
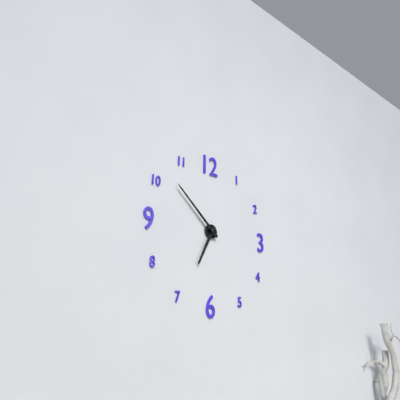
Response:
6h52
